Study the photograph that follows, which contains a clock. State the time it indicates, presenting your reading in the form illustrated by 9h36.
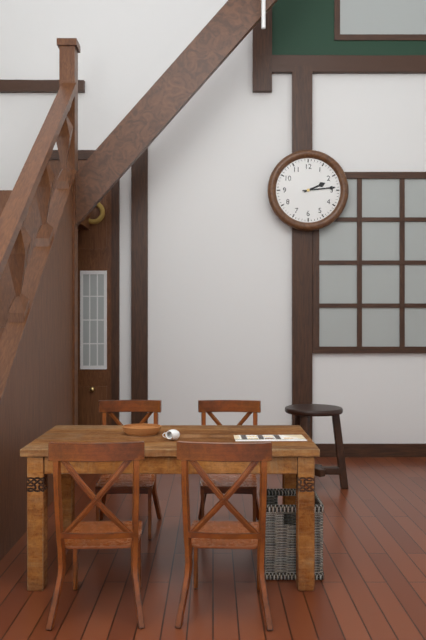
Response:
2h14
